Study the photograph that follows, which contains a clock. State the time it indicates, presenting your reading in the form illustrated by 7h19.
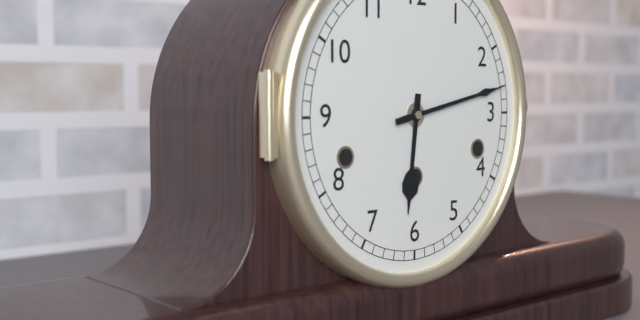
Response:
6h13
